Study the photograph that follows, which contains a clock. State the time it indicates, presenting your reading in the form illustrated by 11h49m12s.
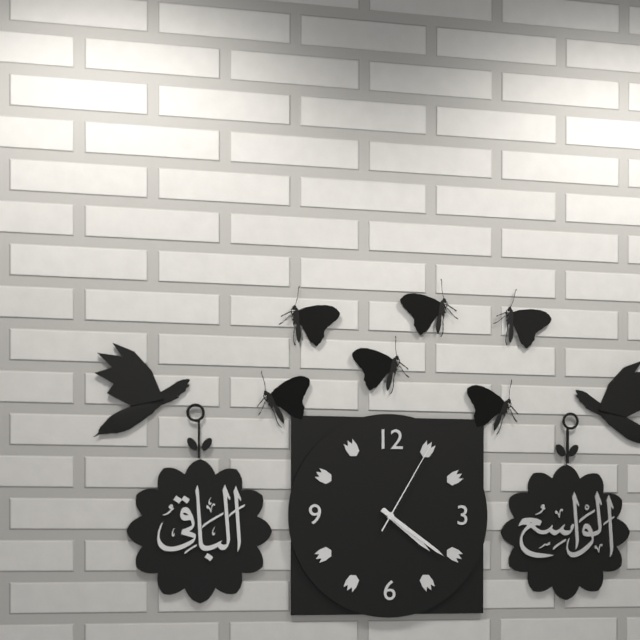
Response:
4h21m05s
